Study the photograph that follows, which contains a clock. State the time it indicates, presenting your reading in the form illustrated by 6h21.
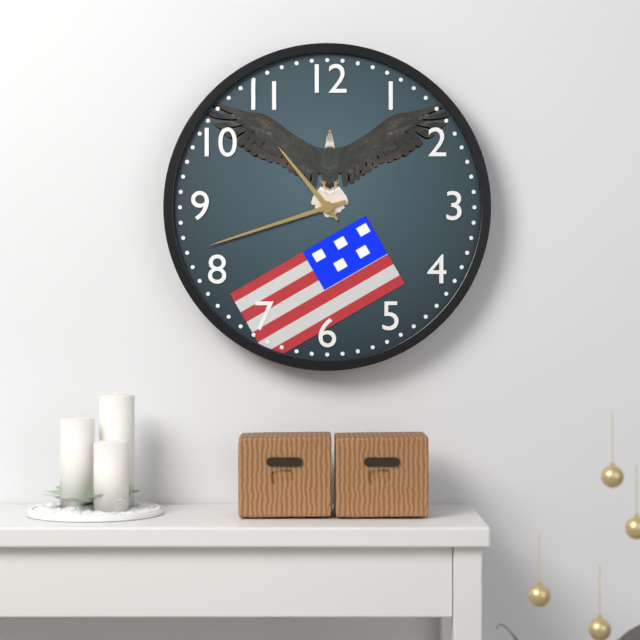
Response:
10h42
